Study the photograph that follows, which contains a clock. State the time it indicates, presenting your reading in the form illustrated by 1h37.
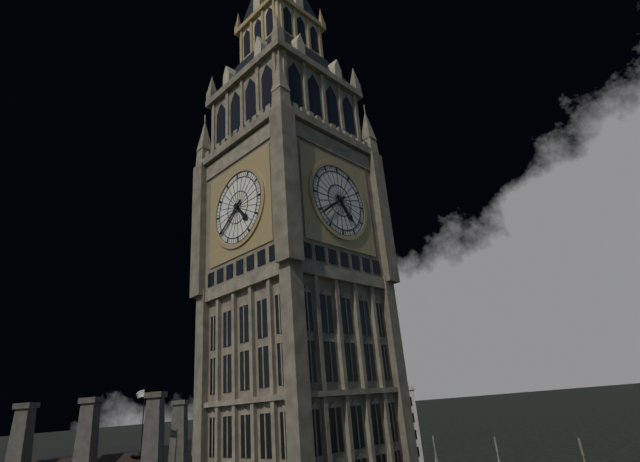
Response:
4h39
